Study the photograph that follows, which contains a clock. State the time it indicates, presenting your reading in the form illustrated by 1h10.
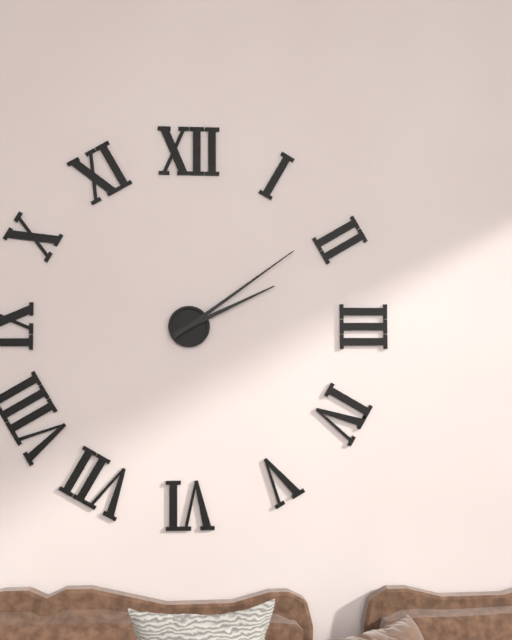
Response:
2h09
